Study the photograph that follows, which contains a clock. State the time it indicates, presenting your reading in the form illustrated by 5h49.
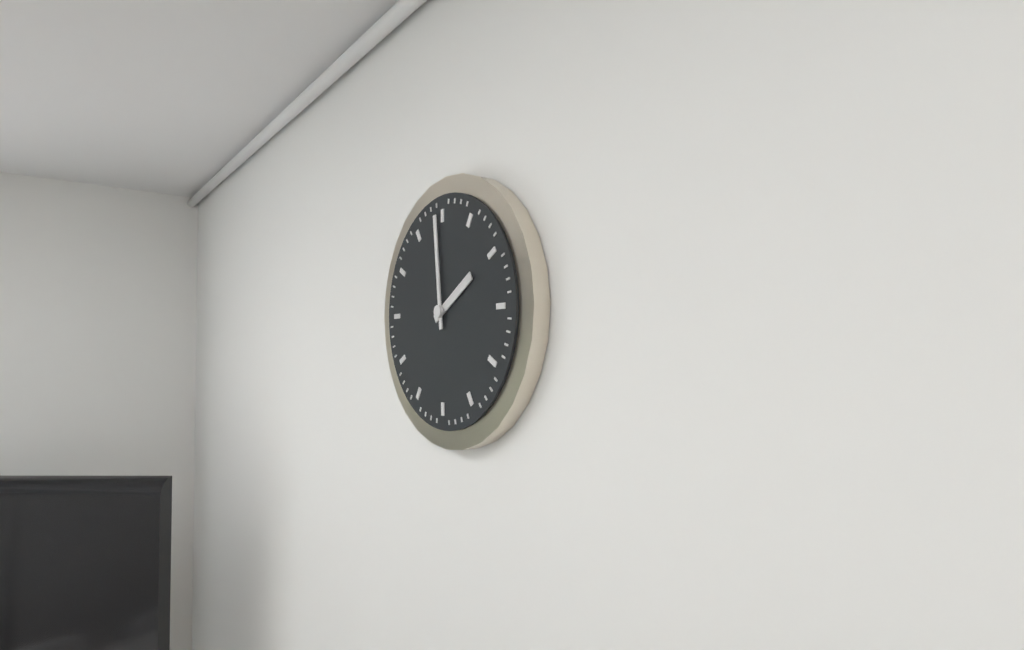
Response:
1h59
